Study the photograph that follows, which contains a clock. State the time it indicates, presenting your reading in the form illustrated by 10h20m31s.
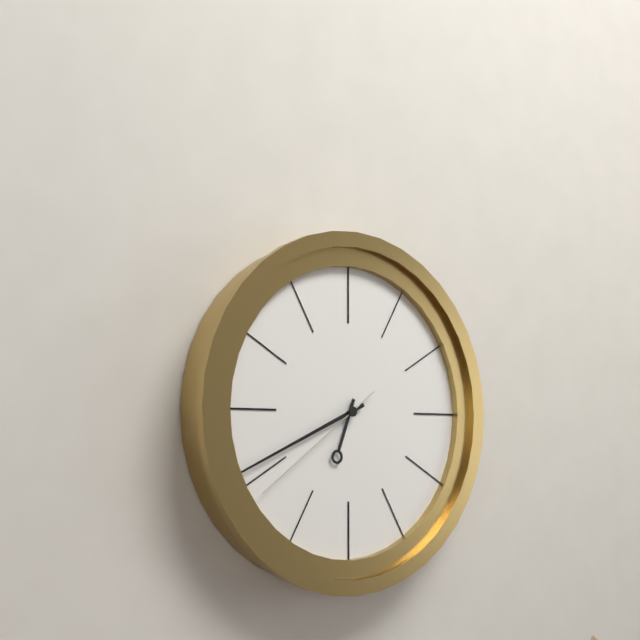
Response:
6h41m39s
